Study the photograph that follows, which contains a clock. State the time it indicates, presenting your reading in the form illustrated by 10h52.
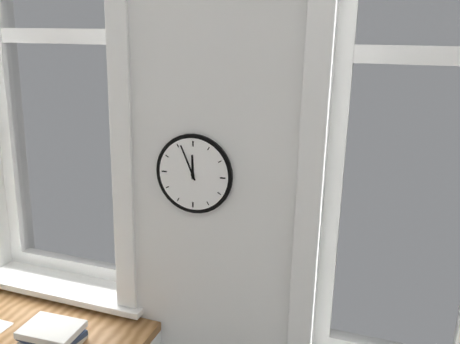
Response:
11h56
